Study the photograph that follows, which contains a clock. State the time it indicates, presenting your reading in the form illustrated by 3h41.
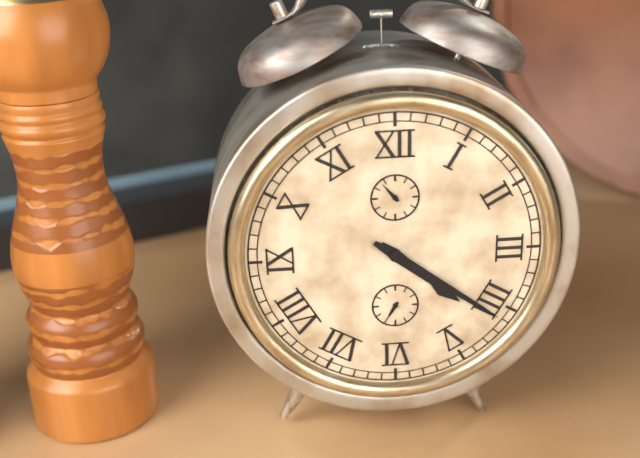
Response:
4h21
